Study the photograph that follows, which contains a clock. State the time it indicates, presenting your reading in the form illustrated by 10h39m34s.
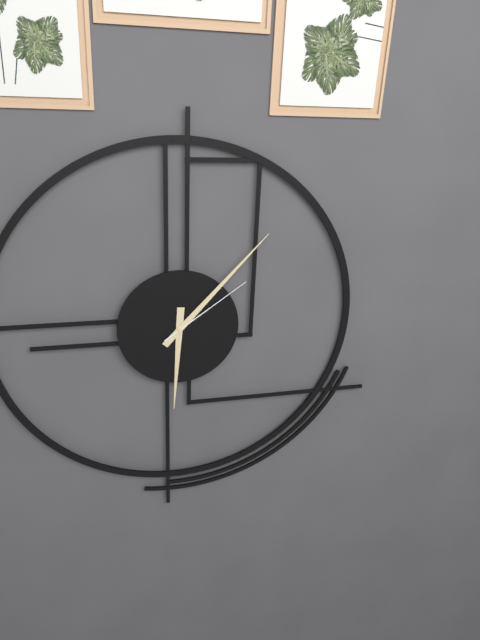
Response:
6h07m09s
